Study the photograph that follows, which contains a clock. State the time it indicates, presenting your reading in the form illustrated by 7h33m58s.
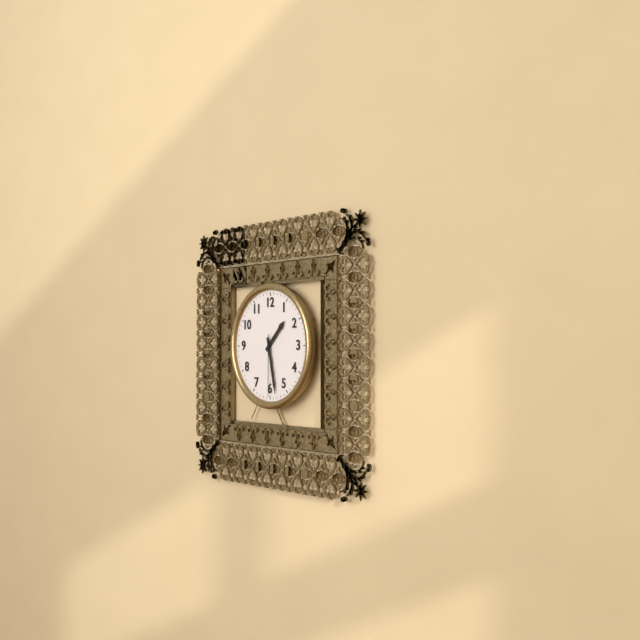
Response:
1h28m30s
